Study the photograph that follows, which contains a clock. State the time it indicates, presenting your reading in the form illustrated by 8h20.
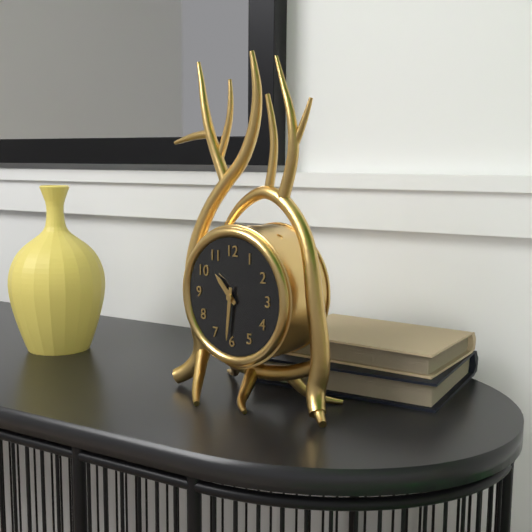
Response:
10h31
